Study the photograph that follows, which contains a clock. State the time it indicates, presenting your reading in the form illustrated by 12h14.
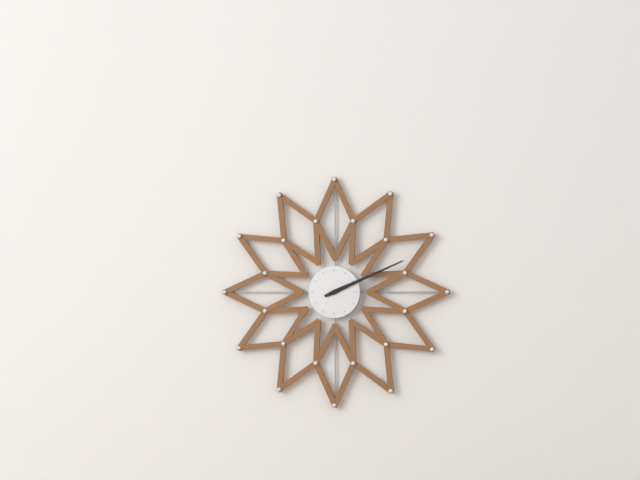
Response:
2h11
